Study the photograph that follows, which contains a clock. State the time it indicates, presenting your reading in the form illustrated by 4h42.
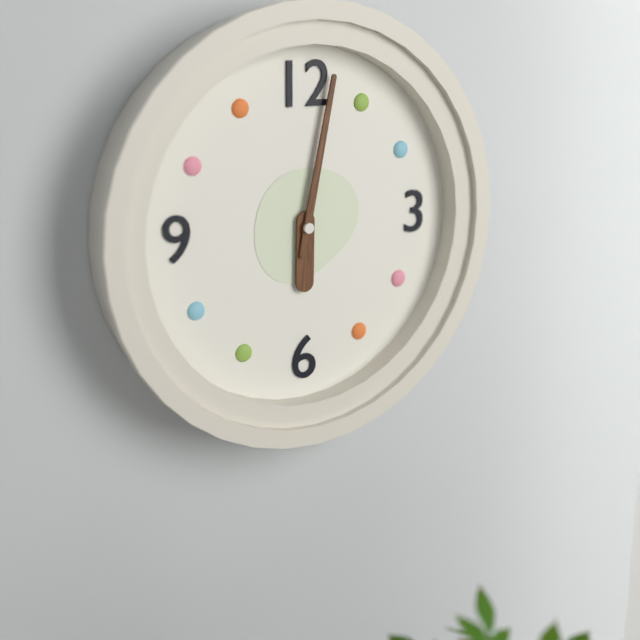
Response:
6h02
